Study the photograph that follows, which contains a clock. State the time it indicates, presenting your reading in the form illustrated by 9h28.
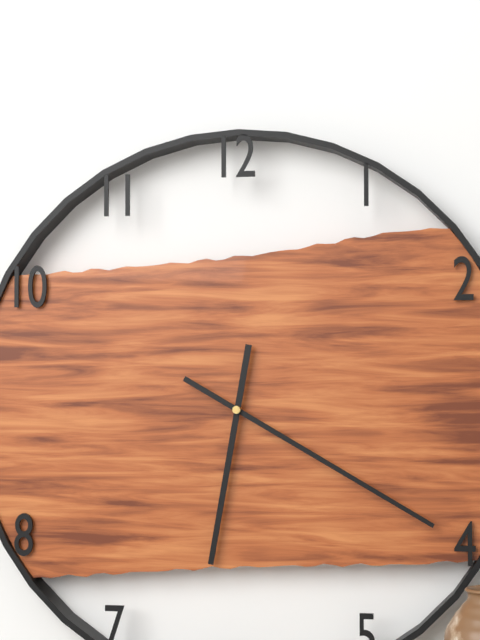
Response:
6h20
